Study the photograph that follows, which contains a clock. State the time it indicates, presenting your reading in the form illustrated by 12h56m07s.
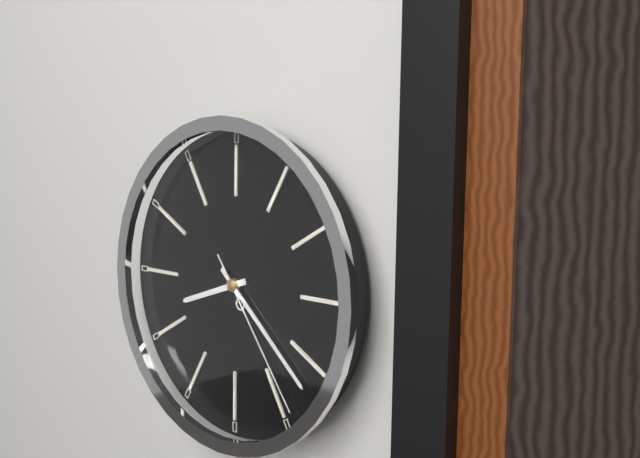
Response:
8h22m24s
